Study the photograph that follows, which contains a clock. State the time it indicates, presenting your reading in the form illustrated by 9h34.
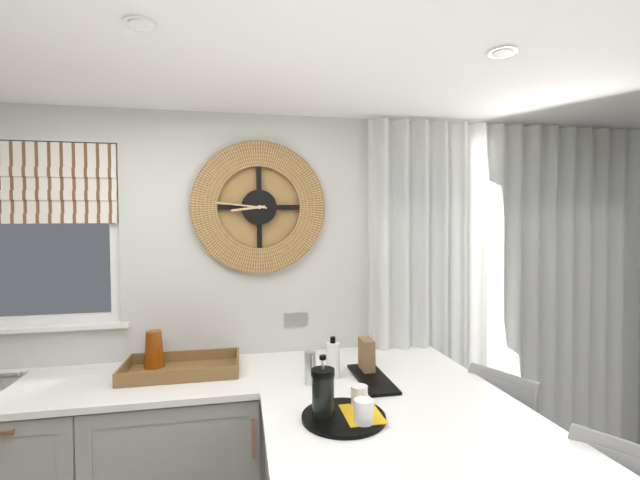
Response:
8h46
